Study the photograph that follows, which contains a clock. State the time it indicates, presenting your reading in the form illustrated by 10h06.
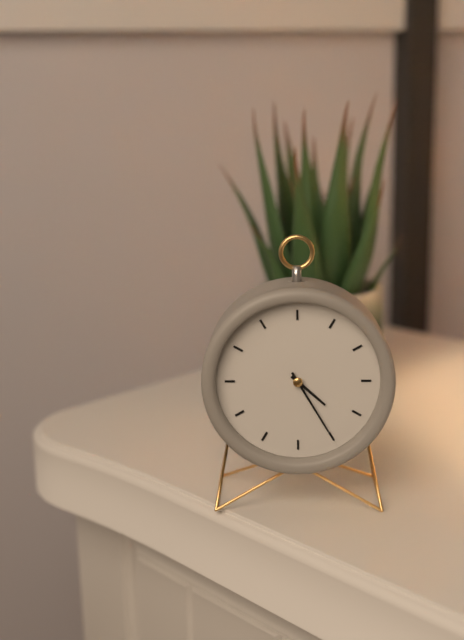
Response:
4h25
